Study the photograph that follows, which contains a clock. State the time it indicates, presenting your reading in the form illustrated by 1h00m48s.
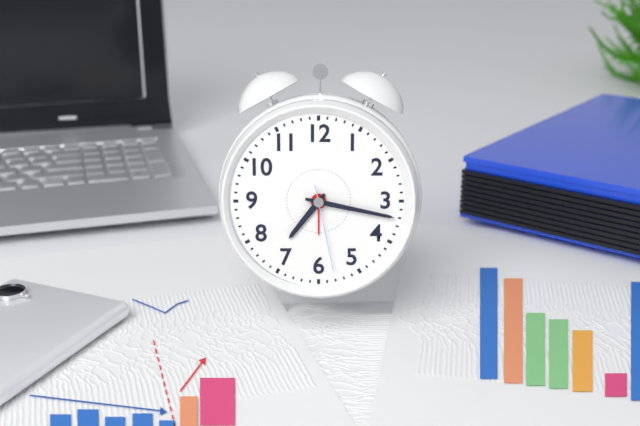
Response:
7h17m28s
